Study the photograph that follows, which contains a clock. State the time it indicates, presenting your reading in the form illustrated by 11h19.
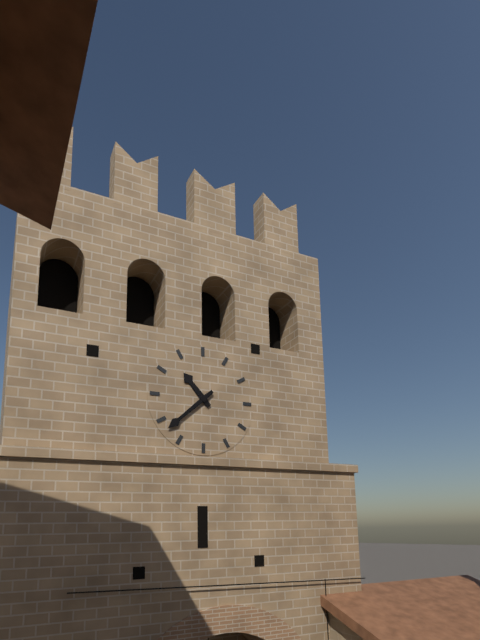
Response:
10h38
